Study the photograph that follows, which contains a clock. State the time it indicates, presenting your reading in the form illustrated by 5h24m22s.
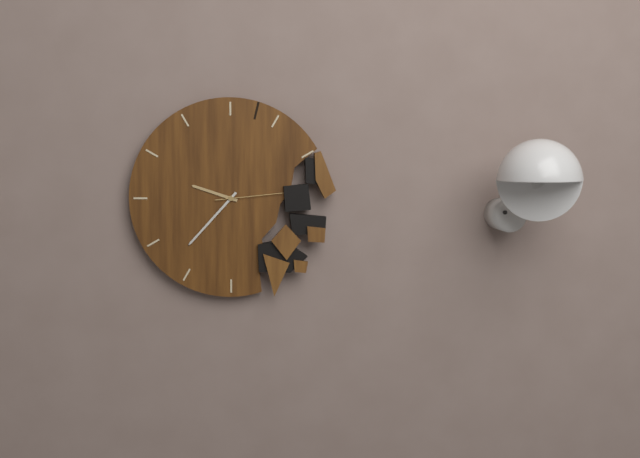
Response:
9h37m14s
